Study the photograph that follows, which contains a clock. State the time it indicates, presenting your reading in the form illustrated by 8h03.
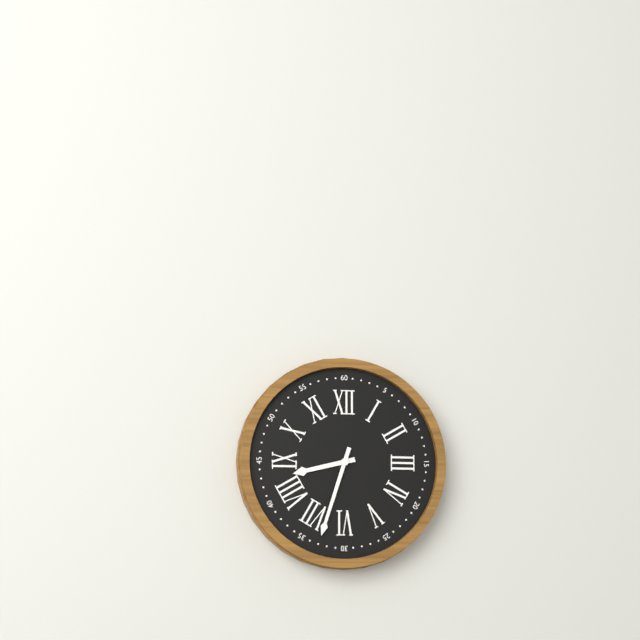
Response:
8h33
